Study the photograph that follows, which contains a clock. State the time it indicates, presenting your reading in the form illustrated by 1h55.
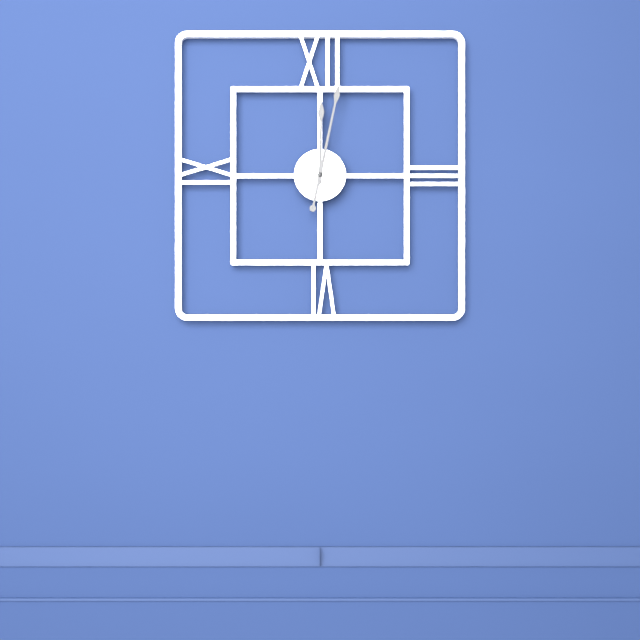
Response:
12h02
